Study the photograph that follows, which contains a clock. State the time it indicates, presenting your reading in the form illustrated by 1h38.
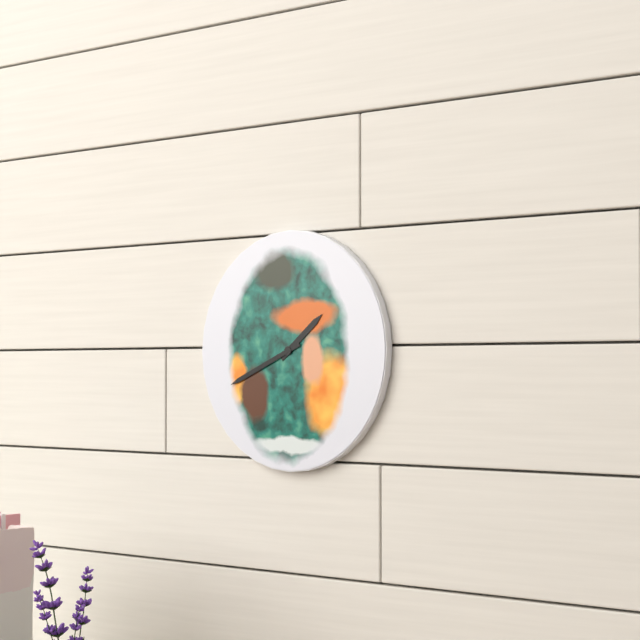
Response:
1h41
